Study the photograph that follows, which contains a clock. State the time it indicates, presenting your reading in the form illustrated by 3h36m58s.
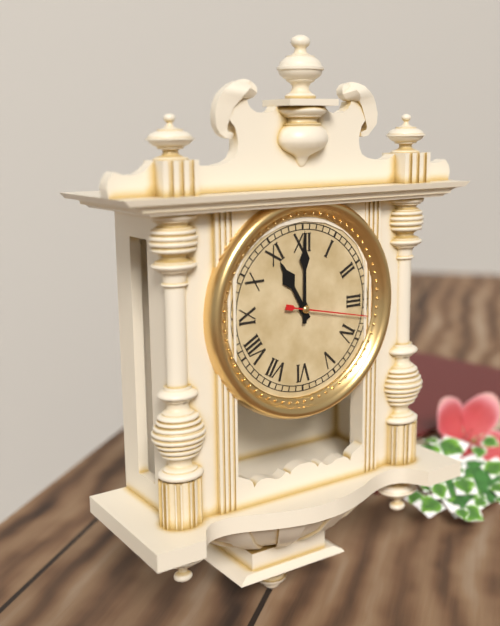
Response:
11h00m17s
